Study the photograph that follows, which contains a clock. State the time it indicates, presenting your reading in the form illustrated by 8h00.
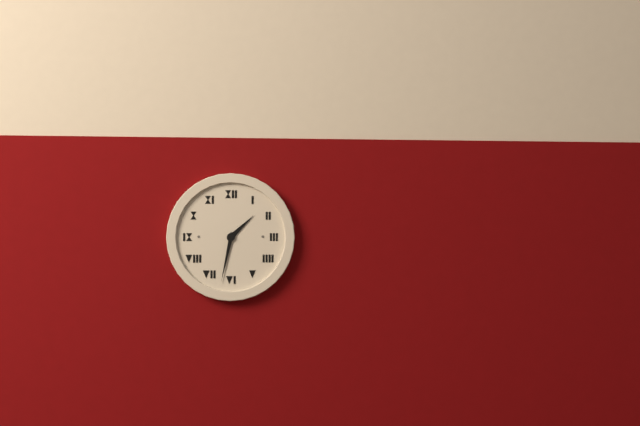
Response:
1h32
